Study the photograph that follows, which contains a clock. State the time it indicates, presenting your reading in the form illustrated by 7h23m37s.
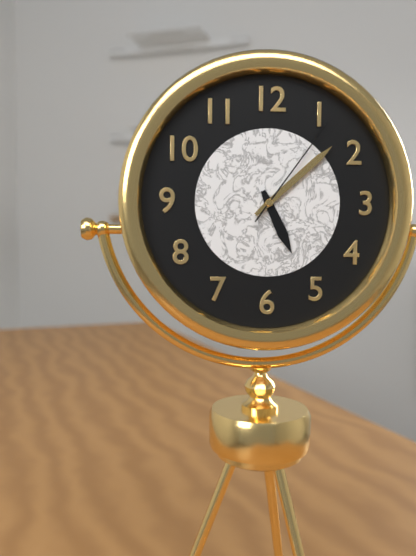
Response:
5h08m06s
